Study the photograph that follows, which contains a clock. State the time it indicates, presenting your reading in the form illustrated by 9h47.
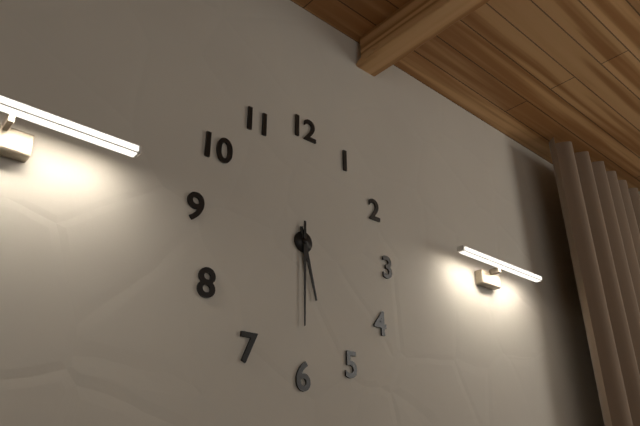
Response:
5h30
